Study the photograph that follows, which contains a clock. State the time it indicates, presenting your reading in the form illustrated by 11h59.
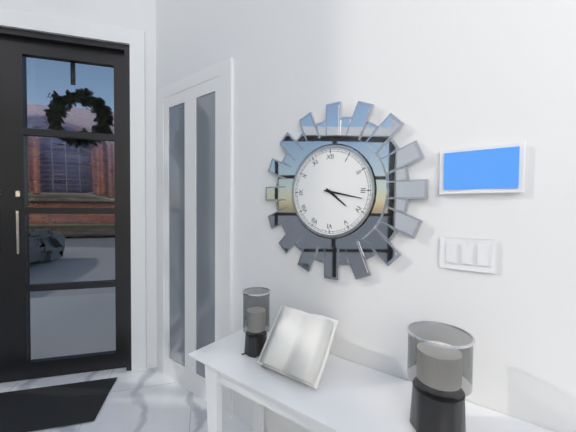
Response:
4h17
